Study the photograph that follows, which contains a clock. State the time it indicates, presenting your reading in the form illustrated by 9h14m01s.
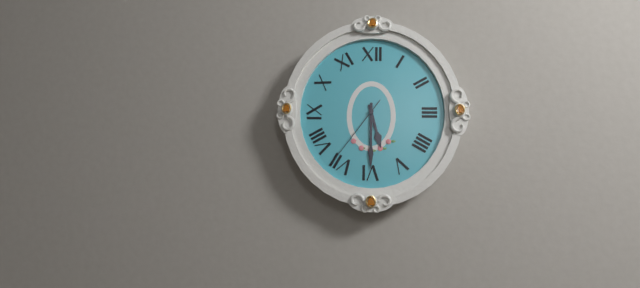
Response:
5h30m36s
